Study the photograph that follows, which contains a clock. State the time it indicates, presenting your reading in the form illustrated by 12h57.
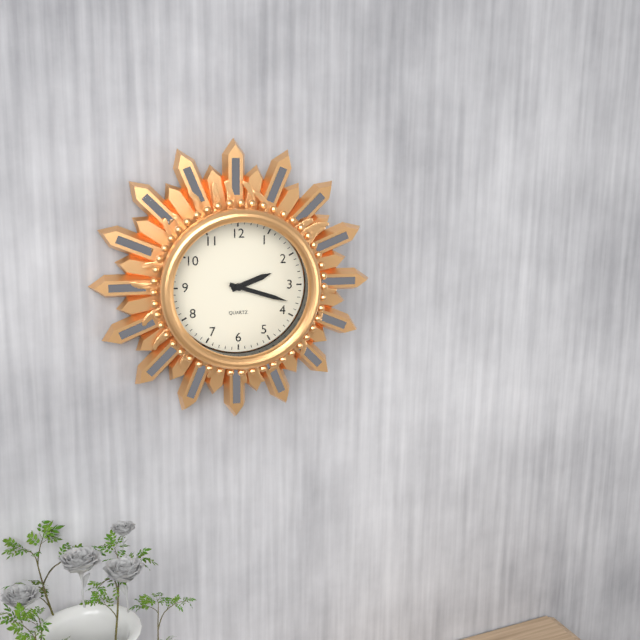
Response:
2h18
